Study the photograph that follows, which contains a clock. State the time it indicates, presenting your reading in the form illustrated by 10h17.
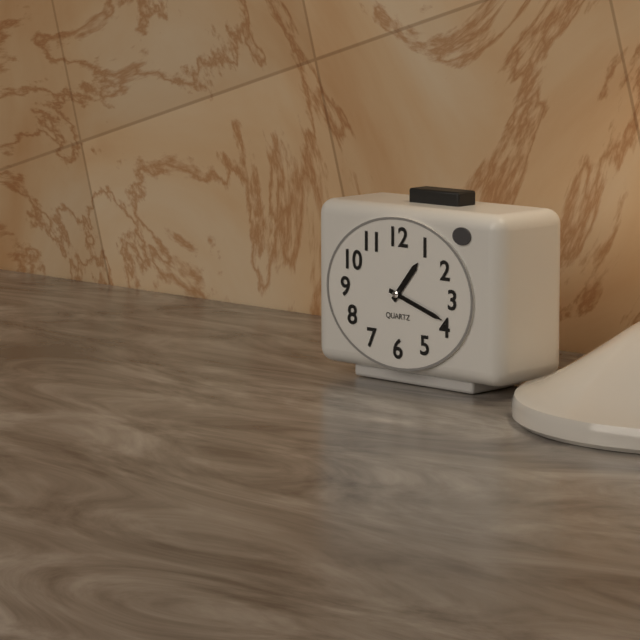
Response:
1h18
